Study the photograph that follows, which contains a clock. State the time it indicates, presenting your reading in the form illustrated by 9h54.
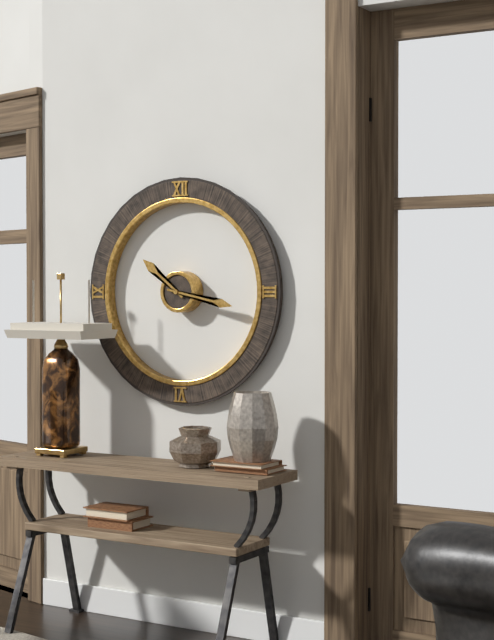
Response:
10h17
